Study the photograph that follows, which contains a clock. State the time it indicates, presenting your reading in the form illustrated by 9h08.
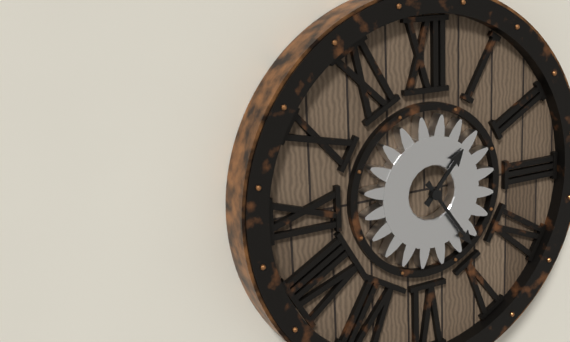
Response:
1h24
